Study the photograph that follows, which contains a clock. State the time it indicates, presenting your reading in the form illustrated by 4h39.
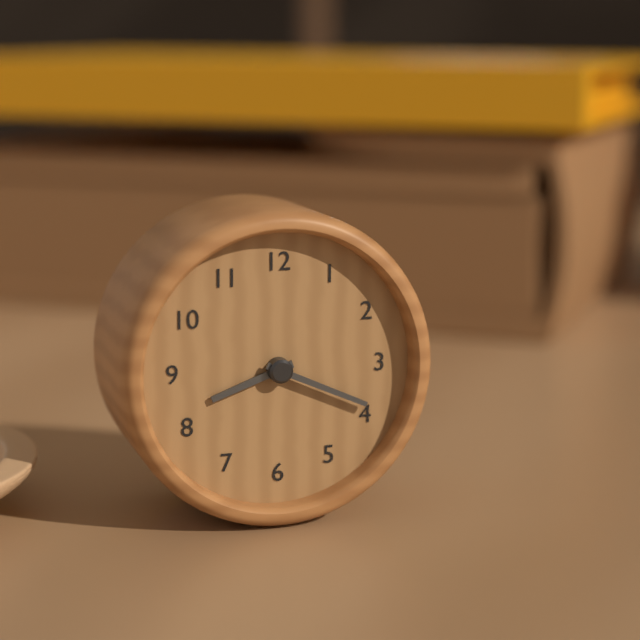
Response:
8h19
